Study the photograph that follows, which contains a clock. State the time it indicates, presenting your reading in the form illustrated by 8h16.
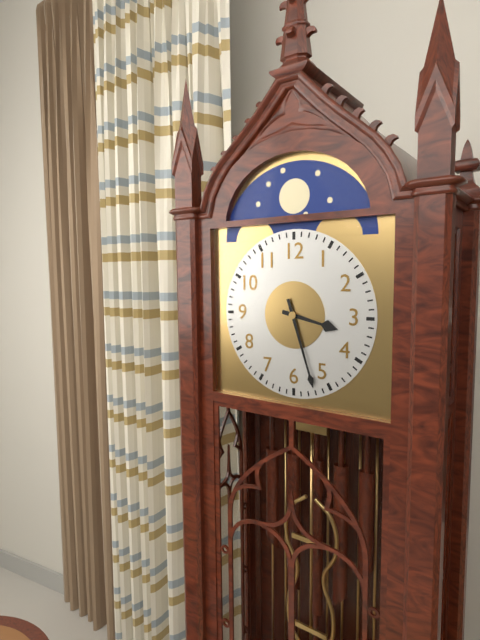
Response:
3h27
